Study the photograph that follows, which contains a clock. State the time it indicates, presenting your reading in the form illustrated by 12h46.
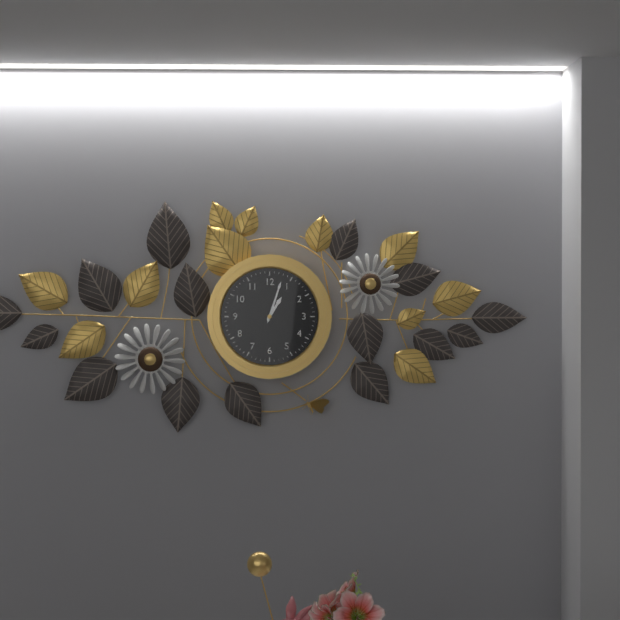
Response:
1h03
